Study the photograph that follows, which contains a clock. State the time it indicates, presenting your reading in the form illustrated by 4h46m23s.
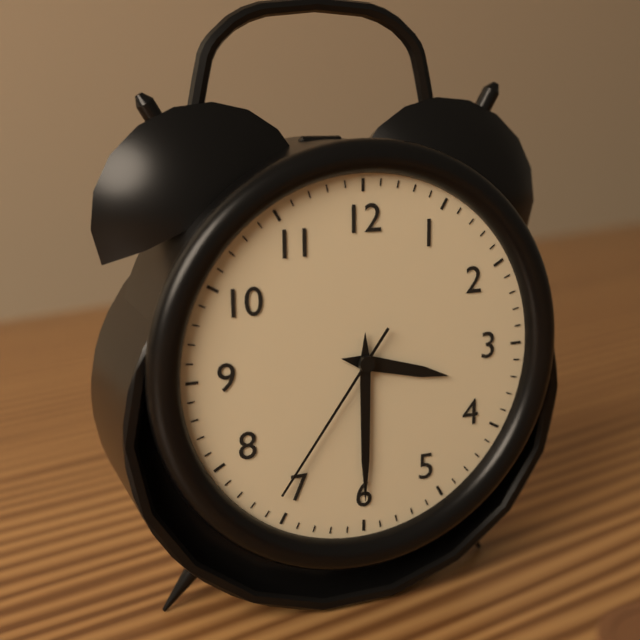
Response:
3h30m36s
